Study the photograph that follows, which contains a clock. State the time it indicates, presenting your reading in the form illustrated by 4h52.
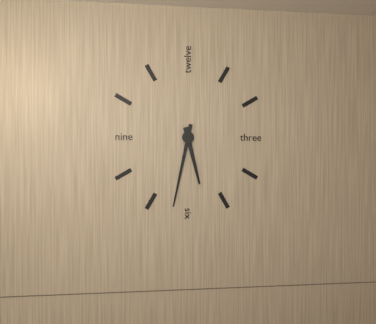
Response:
5h32
